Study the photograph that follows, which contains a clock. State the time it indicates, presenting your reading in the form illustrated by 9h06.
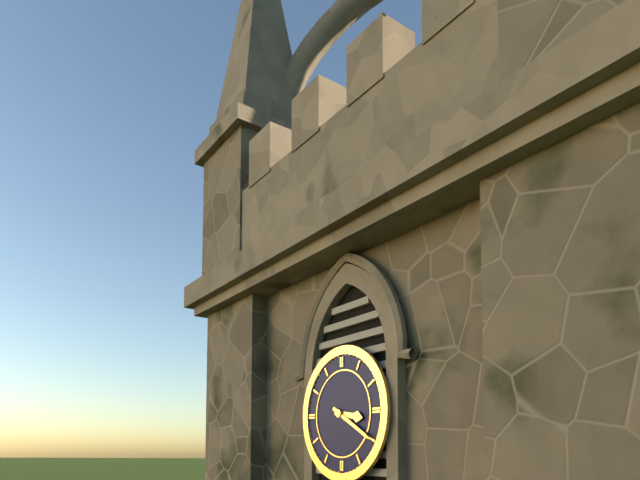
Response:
3h20
